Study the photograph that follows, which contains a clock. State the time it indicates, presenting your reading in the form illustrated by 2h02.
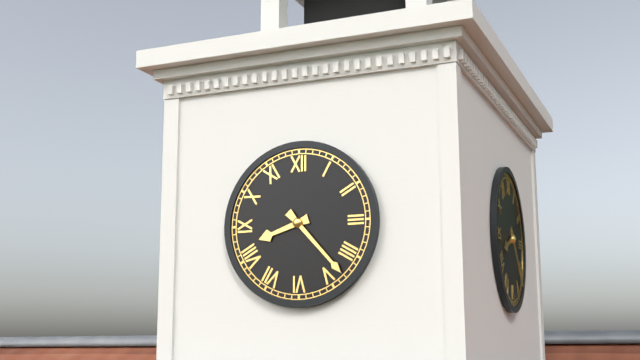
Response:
8h23
